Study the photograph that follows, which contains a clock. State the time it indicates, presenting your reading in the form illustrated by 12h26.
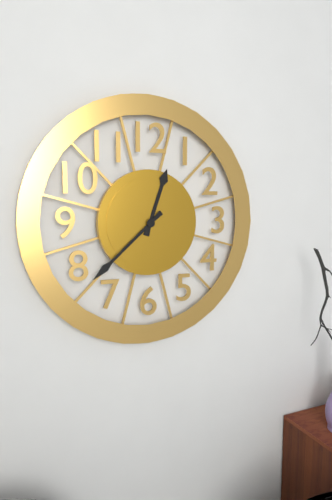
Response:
12h38
